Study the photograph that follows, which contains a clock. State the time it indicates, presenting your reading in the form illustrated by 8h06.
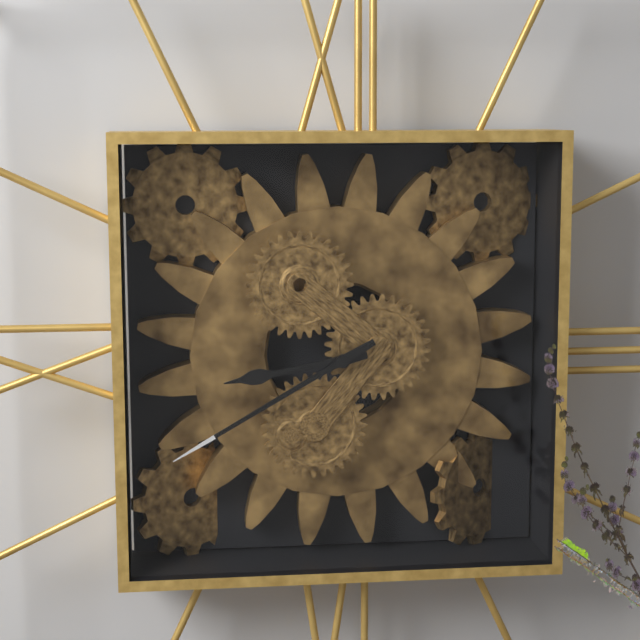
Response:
8h40
